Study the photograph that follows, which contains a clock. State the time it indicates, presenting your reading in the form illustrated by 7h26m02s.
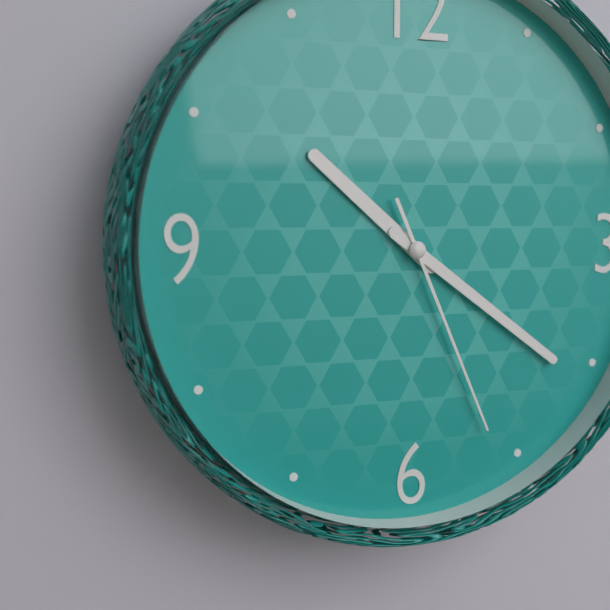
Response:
10h21m26s
